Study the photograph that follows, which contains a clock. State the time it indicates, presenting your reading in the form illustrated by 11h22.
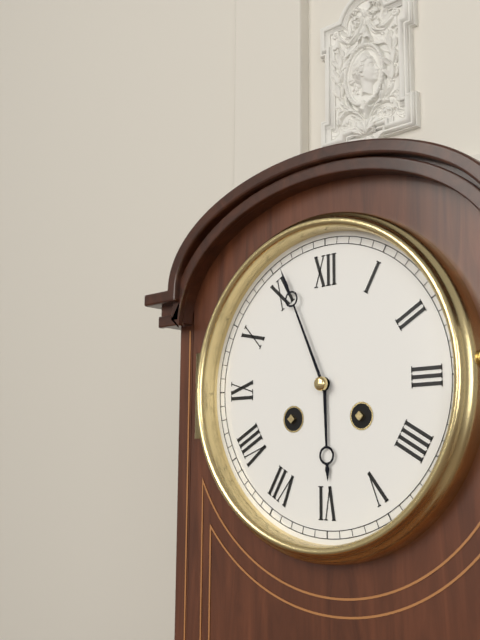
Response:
5h56
